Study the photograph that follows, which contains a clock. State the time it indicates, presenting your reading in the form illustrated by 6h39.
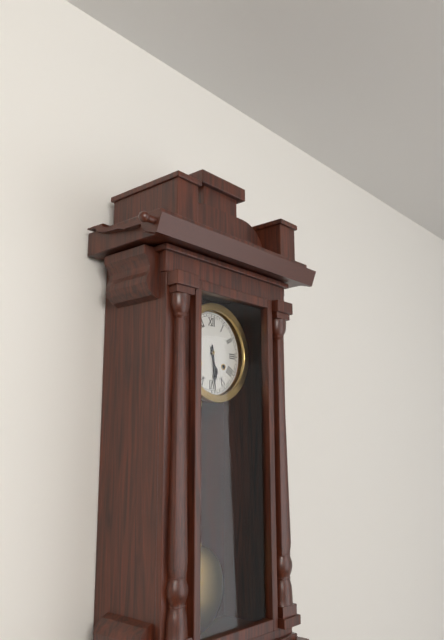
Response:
5h29
